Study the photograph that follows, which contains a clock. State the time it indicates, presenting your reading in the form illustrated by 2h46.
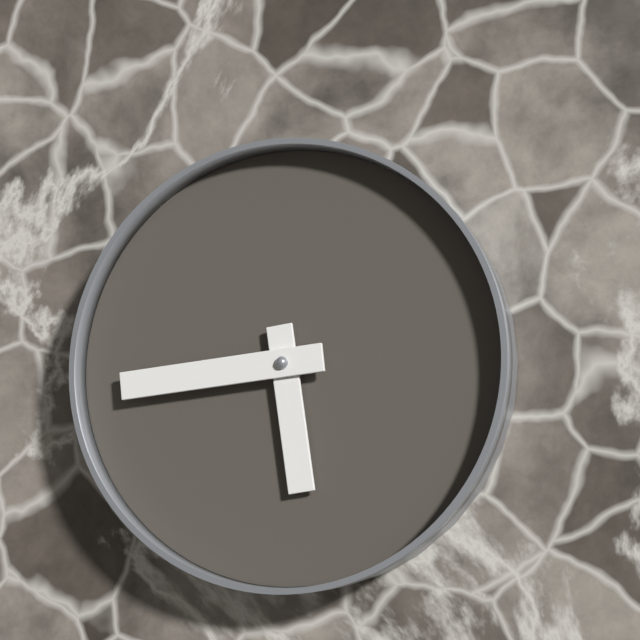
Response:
5h44
